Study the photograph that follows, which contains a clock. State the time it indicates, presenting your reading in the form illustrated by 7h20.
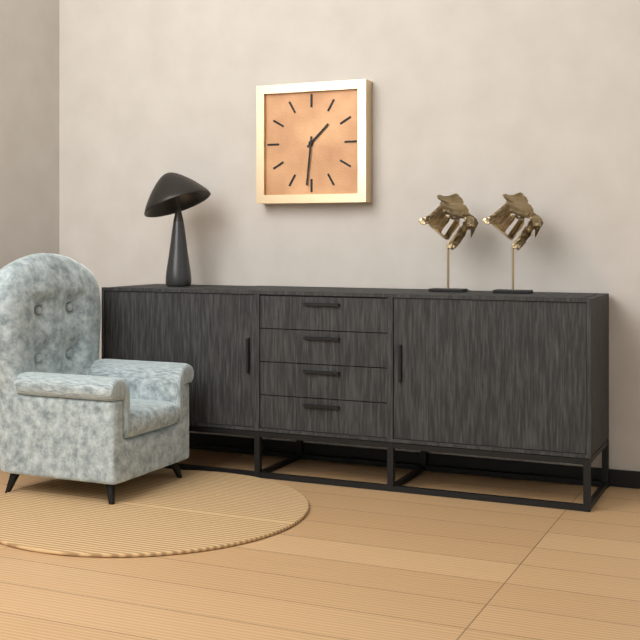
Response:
1h31
